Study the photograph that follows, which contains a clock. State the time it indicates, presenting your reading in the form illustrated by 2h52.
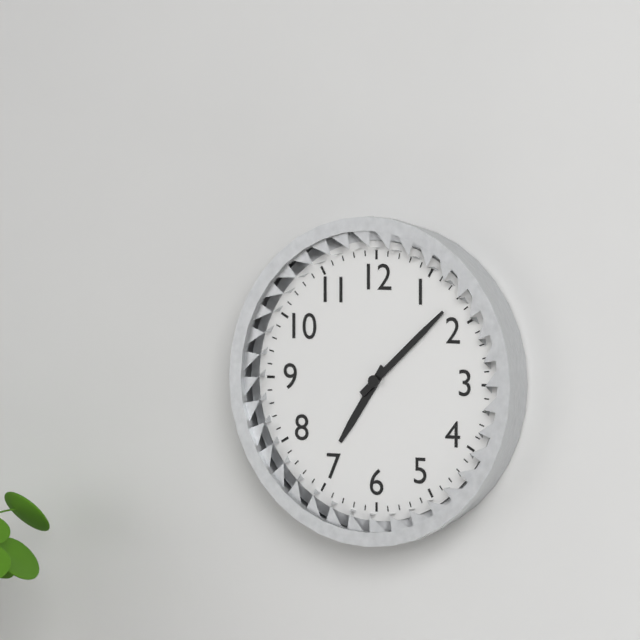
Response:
7h08
